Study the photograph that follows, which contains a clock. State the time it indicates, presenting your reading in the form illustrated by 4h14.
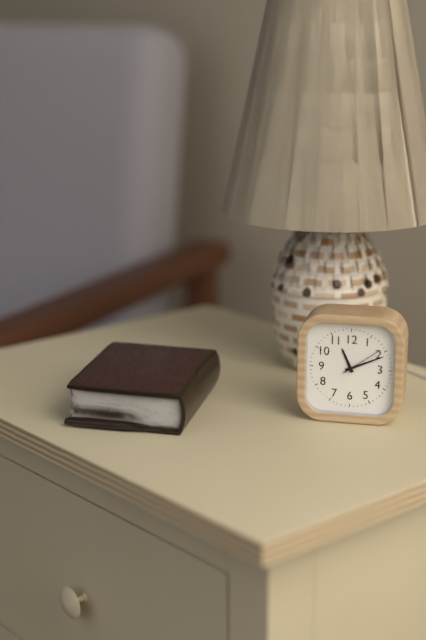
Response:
11h11
